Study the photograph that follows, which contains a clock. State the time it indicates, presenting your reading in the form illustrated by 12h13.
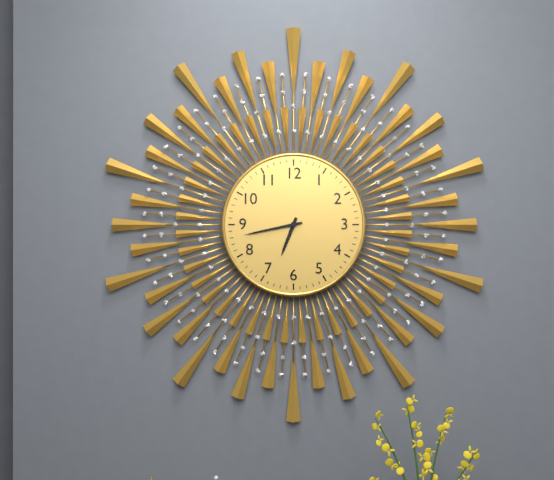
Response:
6h43
